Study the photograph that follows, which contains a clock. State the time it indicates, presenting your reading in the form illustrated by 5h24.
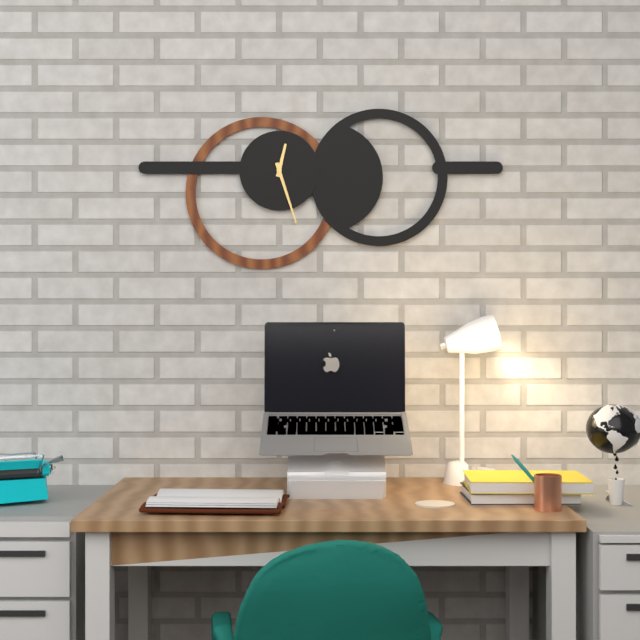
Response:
12h27
